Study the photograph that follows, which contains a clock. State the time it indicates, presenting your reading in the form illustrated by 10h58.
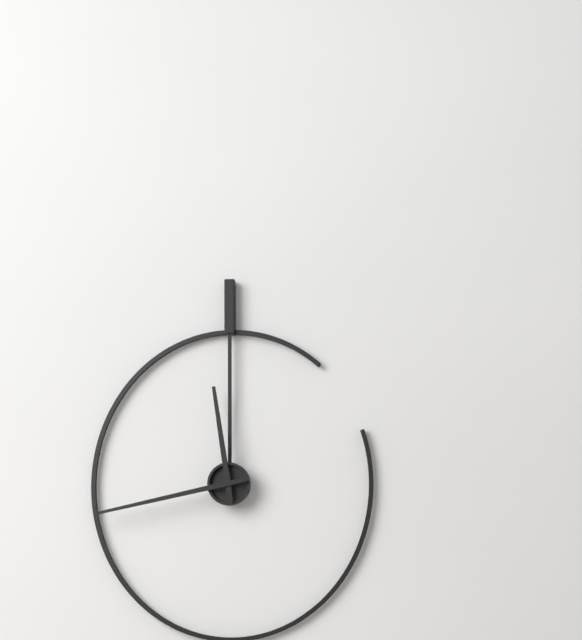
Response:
11h43
